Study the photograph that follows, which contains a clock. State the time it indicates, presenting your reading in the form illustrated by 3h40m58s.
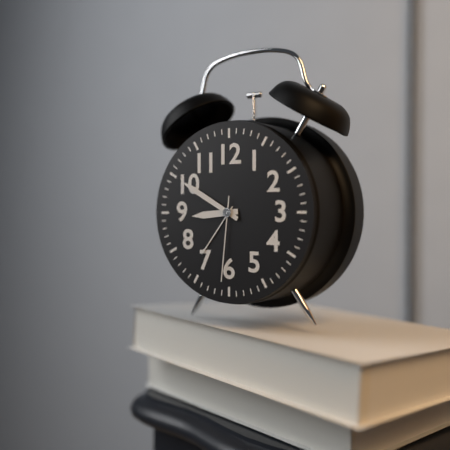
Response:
8h50m31s
